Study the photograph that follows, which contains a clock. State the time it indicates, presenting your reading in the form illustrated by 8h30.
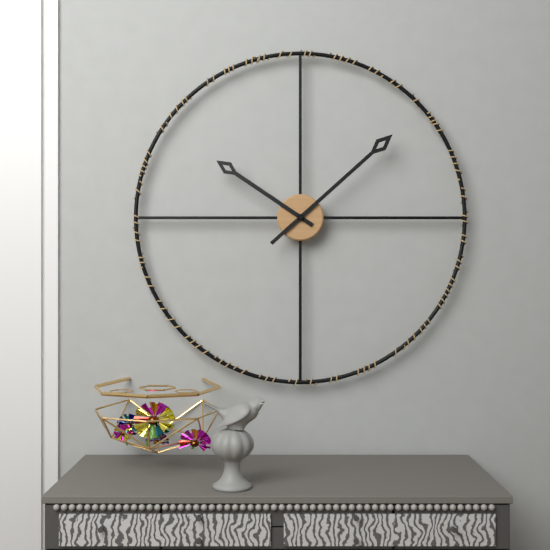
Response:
10h08
